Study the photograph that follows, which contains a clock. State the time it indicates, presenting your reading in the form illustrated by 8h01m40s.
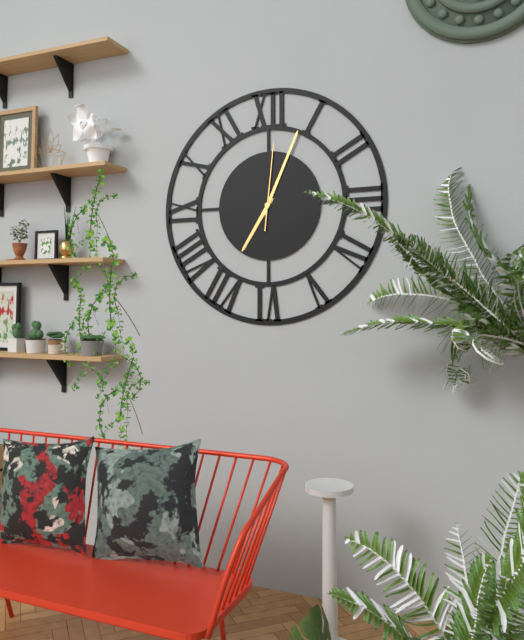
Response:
7h04m01s
